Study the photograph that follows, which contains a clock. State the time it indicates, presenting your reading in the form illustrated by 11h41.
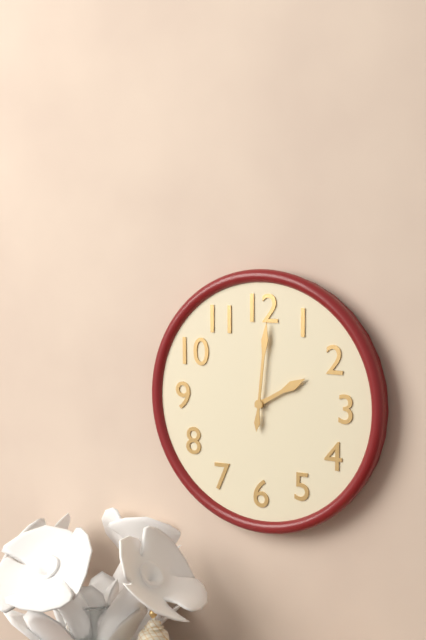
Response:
2h01
